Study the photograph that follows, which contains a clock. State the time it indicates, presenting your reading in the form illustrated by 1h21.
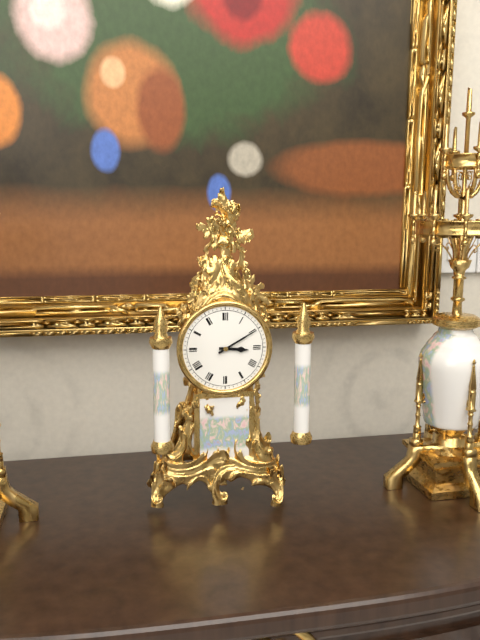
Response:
3h10
